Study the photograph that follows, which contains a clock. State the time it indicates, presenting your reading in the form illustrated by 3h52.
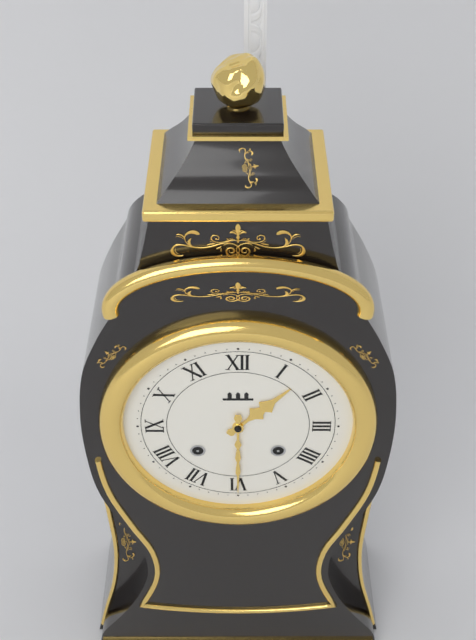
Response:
1h30
